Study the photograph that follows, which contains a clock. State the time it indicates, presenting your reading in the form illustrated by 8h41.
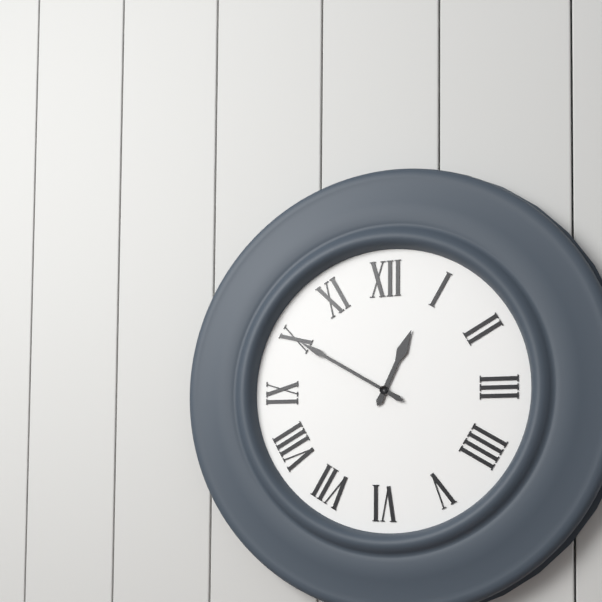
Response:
12h50
